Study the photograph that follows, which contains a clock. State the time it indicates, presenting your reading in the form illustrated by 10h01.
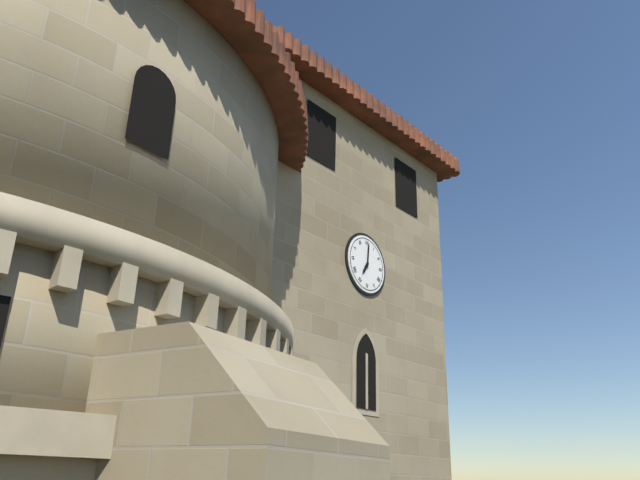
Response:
7h01
